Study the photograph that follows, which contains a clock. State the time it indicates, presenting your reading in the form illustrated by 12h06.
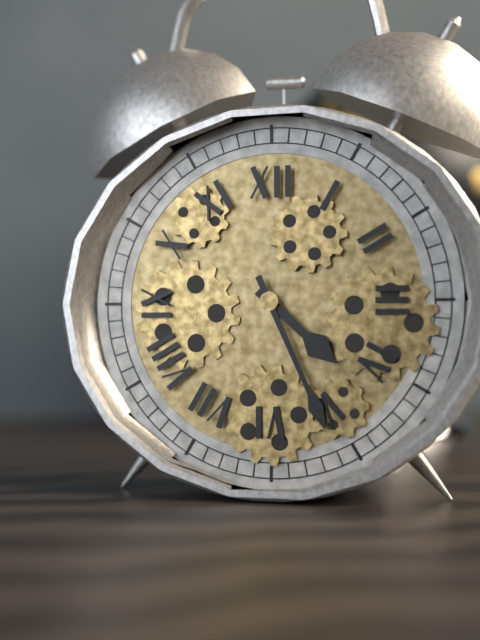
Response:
4h26
